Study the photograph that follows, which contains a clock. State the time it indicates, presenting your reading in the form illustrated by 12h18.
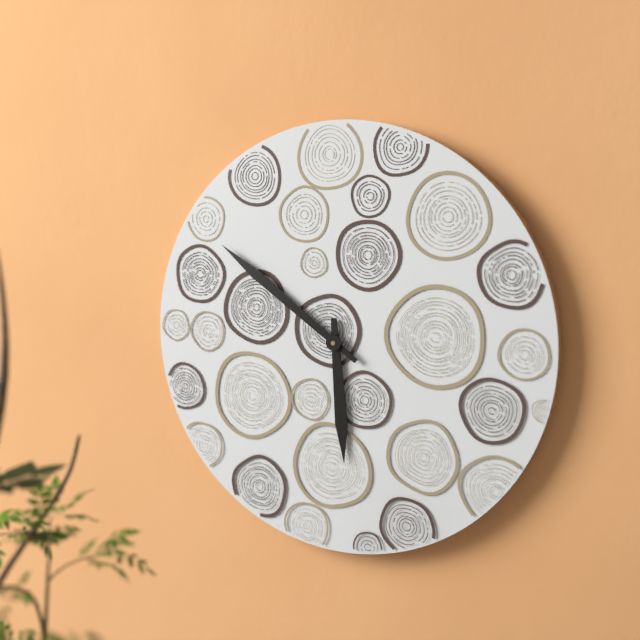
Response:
5h51
